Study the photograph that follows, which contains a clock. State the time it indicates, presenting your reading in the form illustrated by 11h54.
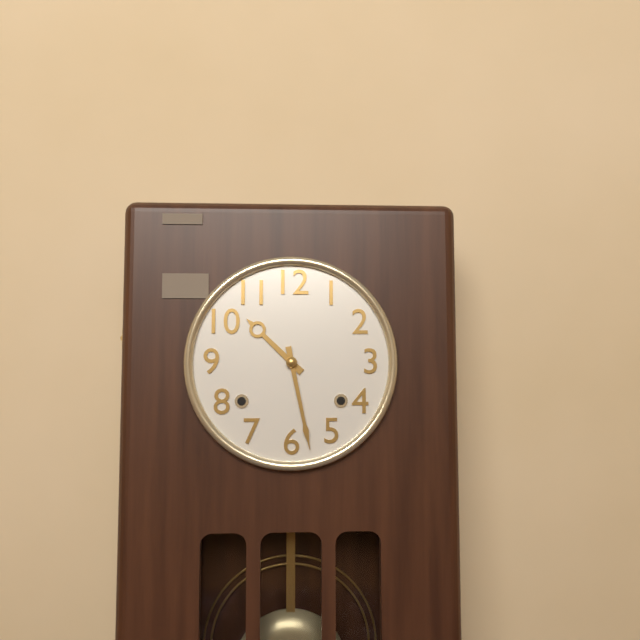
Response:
10h28
